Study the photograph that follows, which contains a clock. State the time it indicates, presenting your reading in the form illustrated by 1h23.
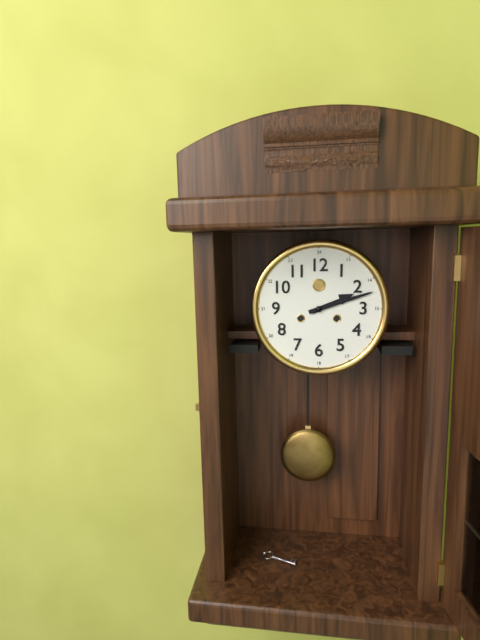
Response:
2h12
